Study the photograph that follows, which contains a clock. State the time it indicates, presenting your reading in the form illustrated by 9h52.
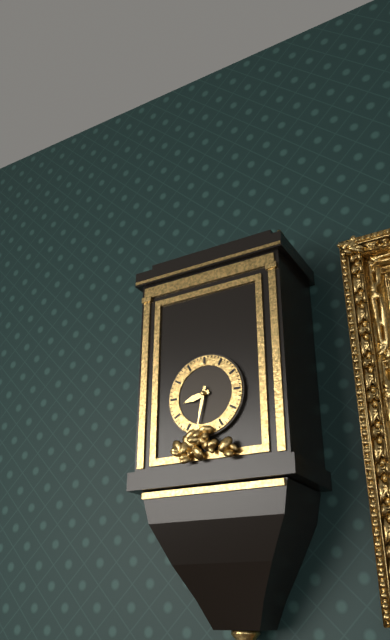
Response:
8h32
